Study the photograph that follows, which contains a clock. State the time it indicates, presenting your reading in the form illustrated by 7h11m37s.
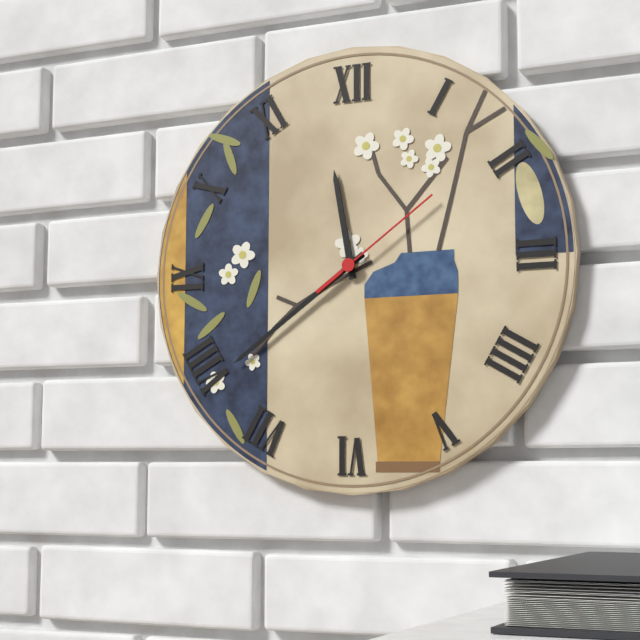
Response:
11h39m09s
